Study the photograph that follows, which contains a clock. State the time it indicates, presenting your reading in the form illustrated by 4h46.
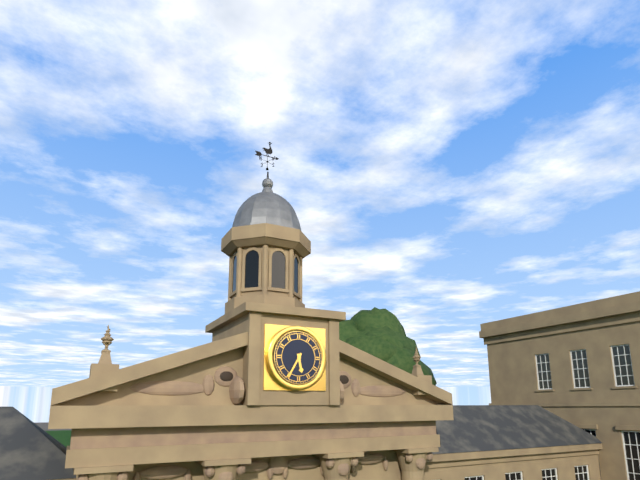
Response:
5h35
